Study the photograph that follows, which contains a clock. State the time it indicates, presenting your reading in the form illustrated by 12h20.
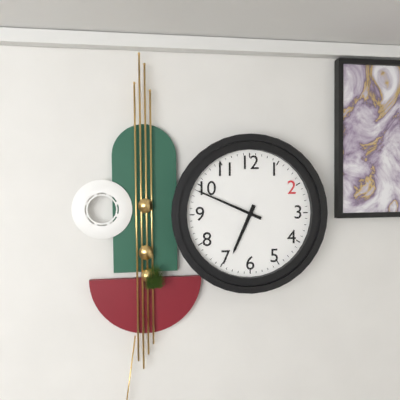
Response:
6h49
